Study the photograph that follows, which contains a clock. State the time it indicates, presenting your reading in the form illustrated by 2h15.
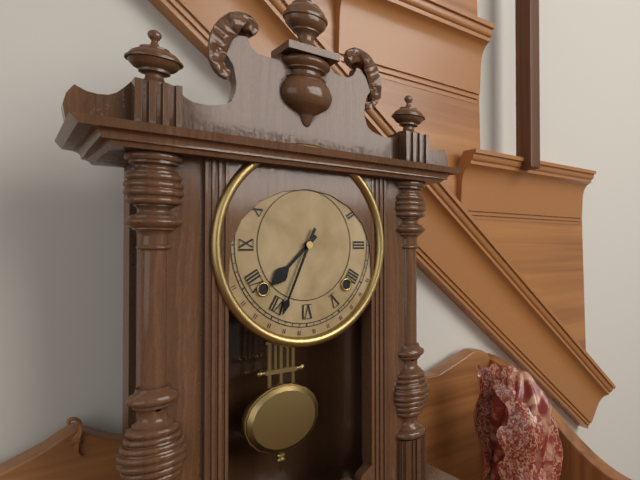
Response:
7h34
